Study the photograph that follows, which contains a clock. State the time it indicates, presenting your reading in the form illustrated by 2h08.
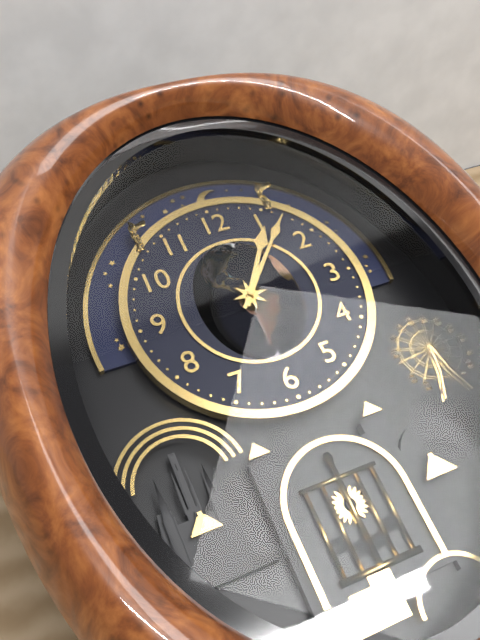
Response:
1h07
